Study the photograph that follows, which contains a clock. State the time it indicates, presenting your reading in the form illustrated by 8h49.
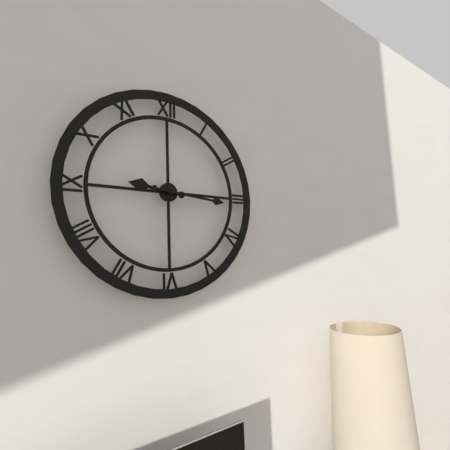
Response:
9h16
